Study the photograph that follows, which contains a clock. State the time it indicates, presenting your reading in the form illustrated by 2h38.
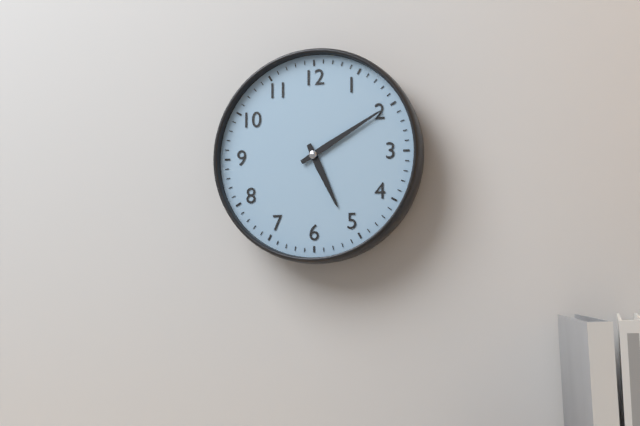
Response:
5h10
